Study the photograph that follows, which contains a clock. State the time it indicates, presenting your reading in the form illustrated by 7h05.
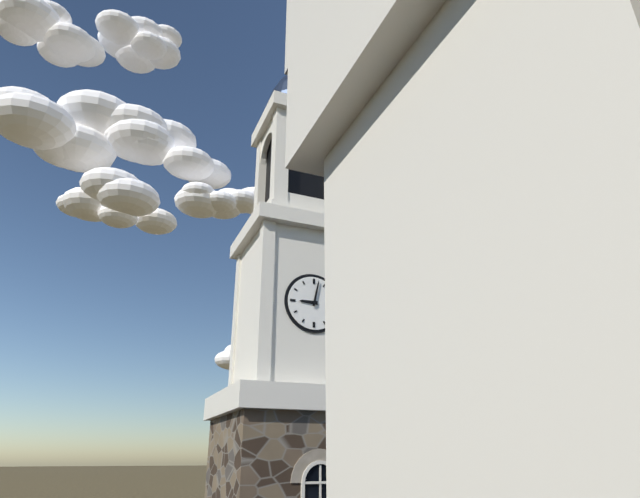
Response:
9h02
